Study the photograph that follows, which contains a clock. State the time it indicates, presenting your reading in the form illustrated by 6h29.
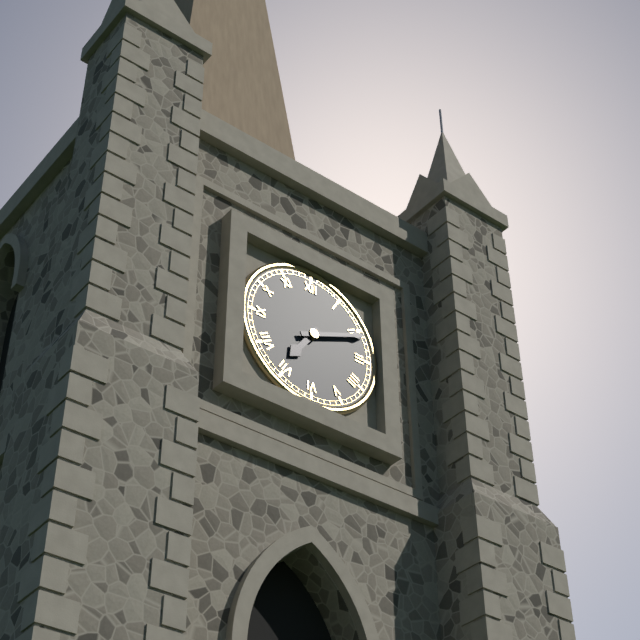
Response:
7h11
